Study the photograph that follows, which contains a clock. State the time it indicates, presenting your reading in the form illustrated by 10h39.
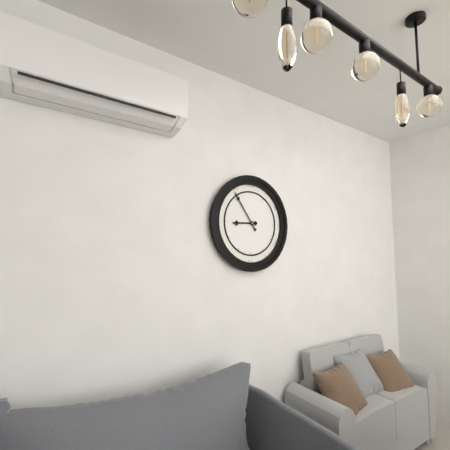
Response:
8h54
